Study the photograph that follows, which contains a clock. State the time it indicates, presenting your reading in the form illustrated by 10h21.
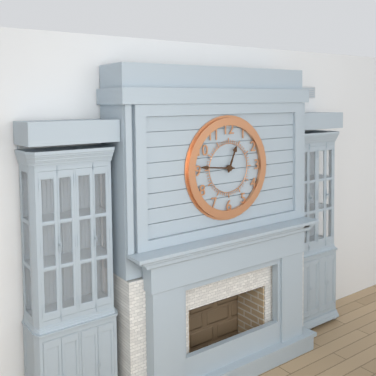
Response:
12h46
